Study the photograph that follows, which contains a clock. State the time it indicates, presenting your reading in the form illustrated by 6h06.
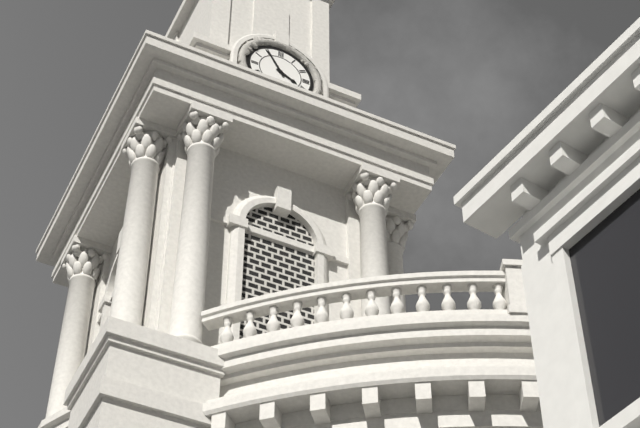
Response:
3h55
